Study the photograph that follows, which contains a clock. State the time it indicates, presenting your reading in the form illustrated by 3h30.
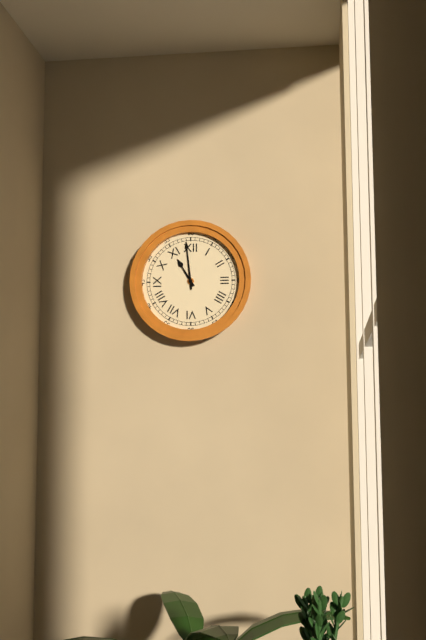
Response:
10h59
